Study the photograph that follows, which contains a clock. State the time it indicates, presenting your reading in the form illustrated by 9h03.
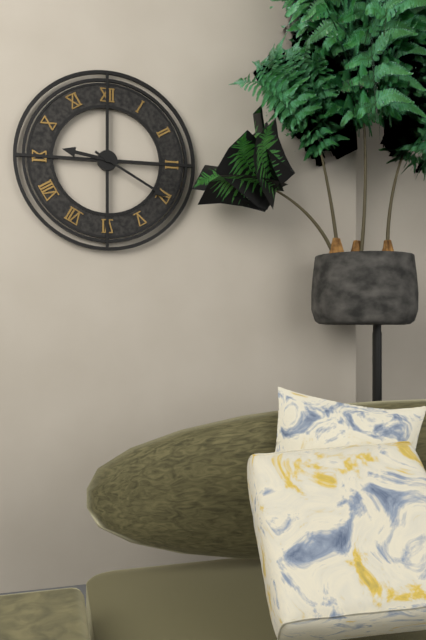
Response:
9h20
